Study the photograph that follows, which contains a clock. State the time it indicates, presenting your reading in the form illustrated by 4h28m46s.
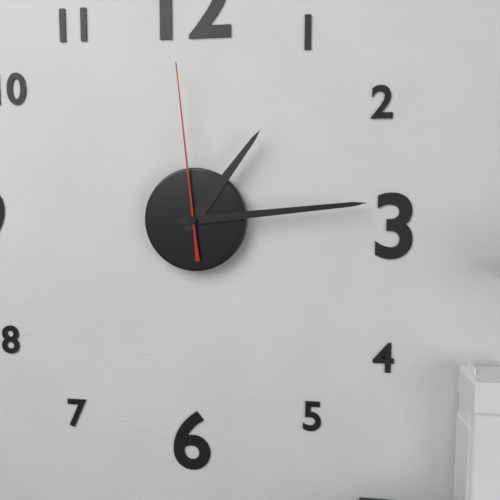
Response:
1h14m59s
